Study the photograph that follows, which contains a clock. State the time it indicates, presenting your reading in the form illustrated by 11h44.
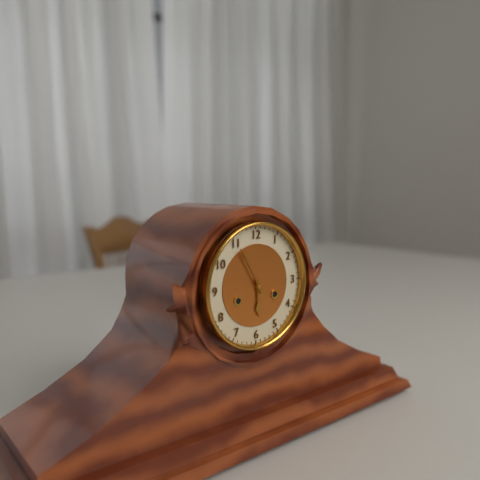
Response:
5h55
